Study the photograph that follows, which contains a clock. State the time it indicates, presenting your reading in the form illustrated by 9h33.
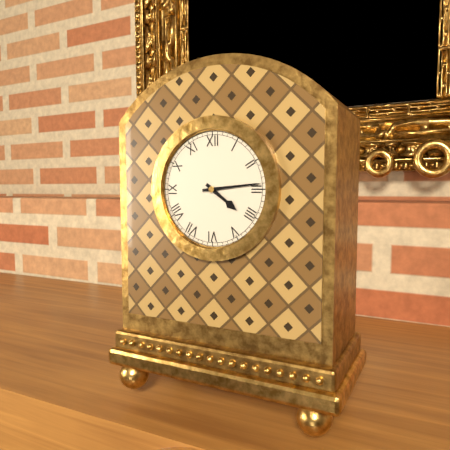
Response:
4h14
